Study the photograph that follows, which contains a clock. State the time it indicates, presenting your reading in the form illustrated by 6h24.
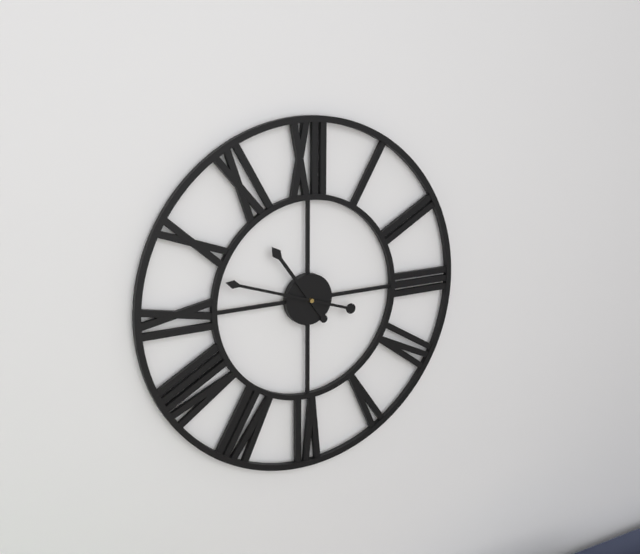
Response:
10h48
